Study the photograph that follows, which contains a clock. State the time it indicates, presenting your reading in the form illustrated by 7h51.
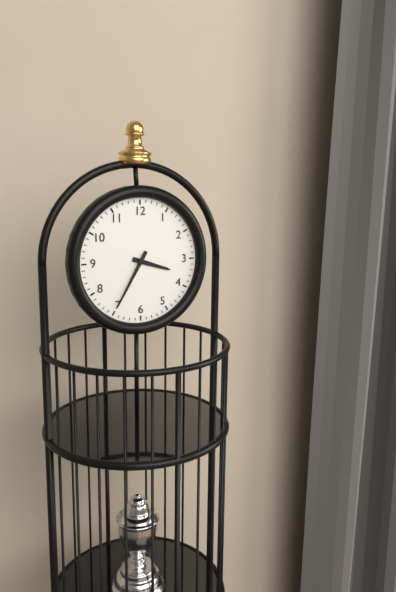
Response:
3h35
